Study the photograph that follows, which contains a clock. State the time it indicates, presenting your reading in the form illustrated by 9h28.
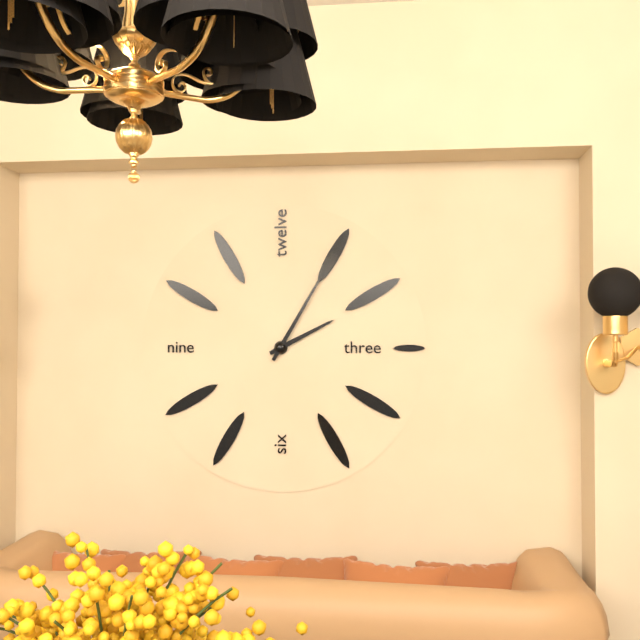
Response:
2h05
